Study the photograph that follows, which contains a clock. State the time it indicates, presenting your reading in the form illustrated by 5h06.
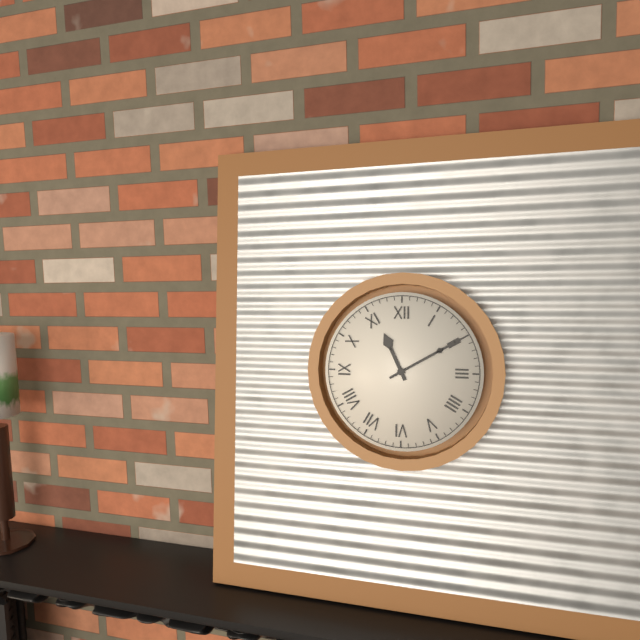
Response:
11h10
